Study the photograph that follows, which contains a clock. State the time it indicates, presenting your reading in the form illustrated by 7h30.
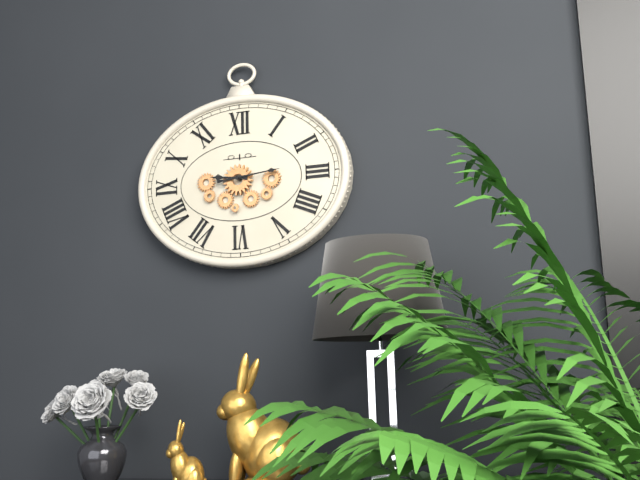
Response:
9h14
